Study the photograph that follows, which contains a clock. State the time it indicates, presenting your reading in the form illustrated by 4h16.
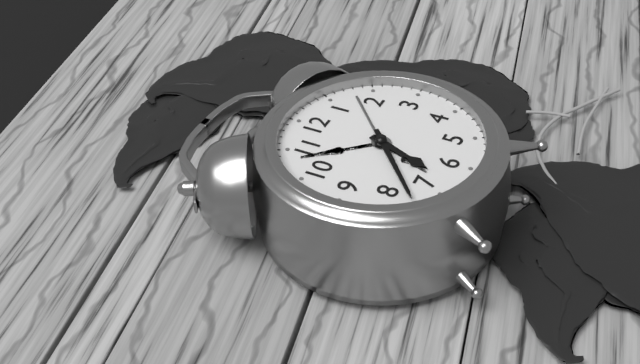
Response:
6h38
